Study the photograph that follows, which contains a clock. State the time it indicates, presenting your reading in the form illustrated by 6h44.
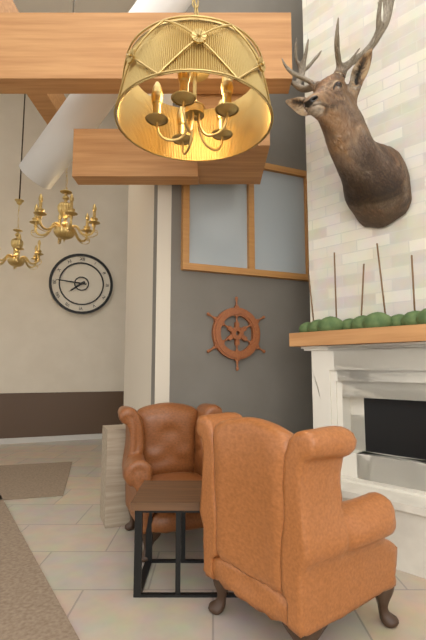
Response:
7h46
